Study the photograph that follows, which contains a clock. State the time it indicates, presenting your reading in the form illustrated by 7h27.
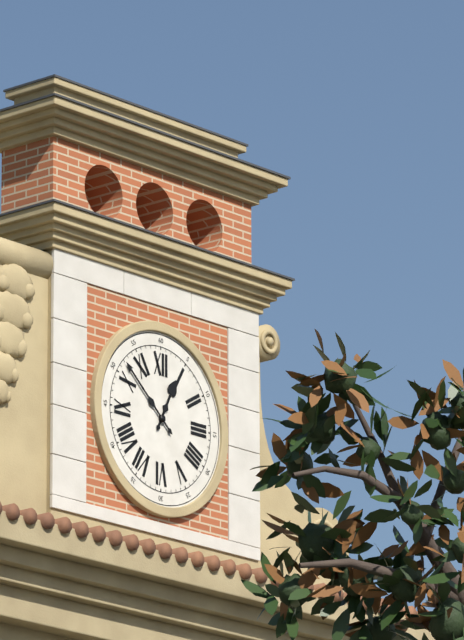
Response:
12h52
